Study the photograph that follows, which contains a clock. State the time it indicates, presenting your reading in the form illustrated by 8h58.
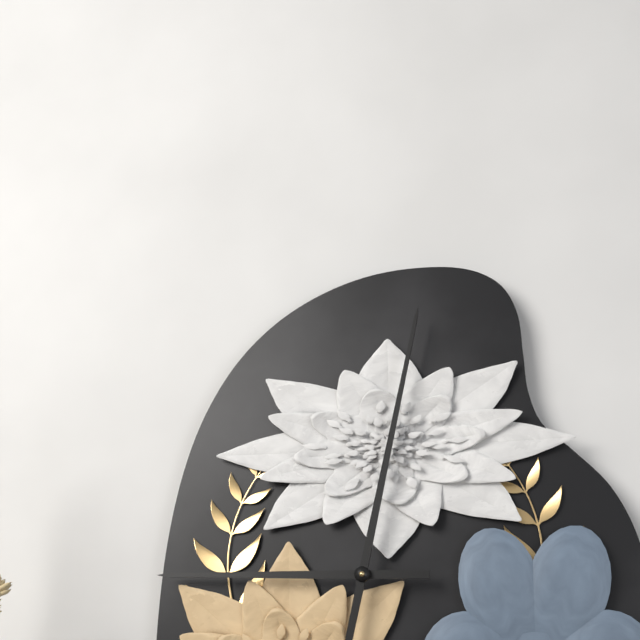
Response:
9h02
